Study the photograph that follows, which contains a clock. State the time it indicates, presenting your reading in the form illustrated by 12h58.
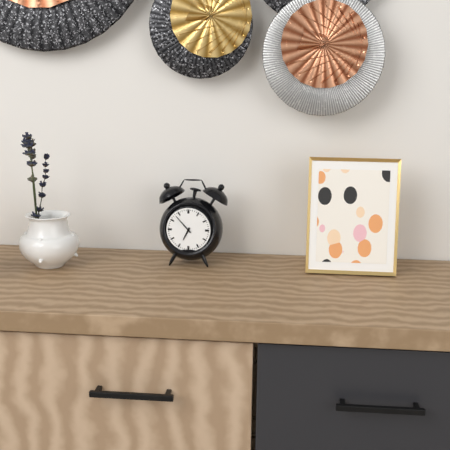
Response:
6h53
